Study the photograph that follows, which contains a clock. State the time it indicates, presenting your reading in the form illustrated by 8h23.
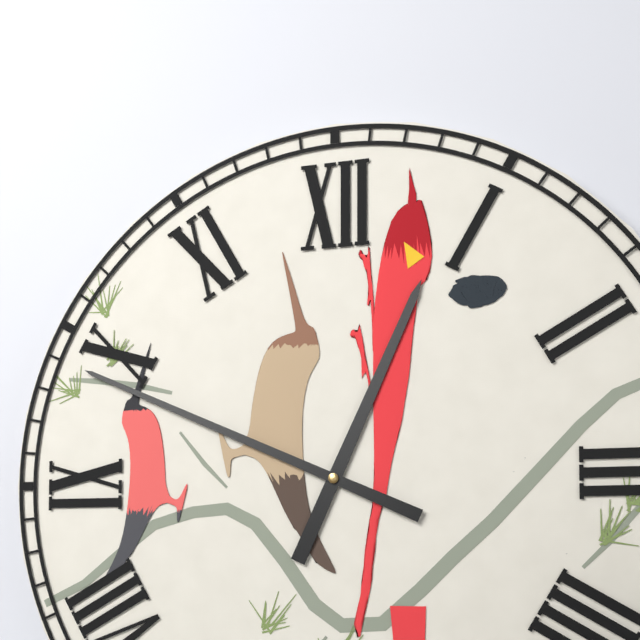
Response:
12h49
